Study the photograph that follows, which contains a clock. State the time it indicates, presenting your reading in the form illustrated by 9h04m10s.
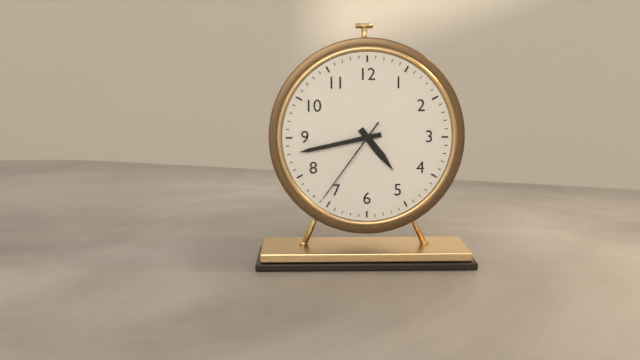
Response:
4h43m36s
